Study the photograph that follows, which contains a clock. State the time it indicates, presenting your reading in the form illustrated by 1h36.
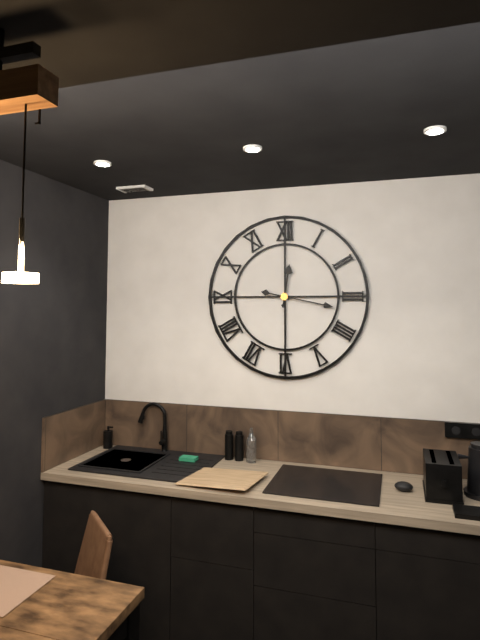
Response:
12h17
